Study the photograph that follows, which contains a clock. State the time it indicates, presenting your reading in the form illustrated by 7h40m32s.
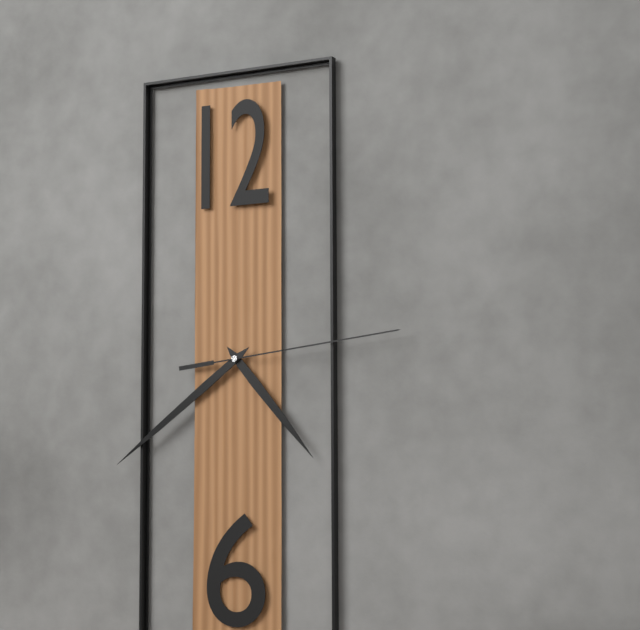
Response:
4h39m14s
